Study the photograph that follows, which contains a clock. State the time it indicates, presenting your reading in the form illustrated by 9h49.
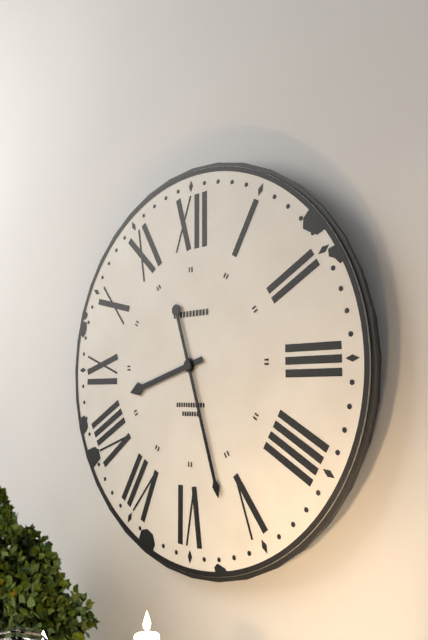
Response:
8h27
